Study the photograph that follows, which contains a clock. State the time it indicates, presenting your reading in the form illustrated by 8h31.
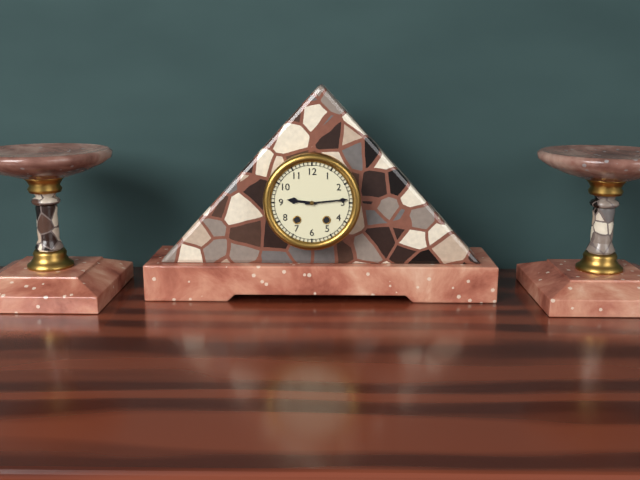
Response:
9h14
